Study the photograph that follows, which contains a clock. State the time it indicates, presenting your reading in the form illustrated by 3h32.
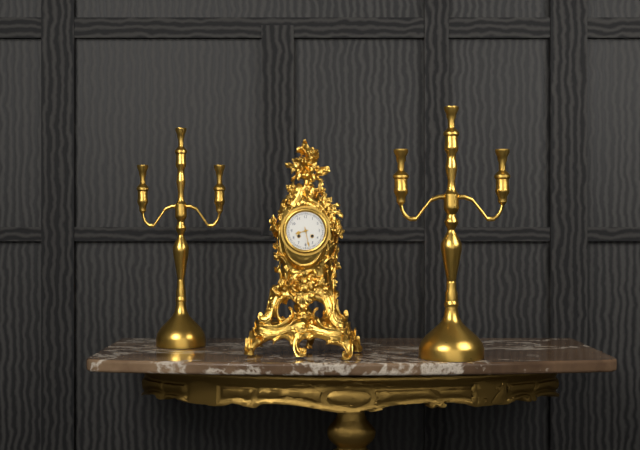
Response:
8h28
